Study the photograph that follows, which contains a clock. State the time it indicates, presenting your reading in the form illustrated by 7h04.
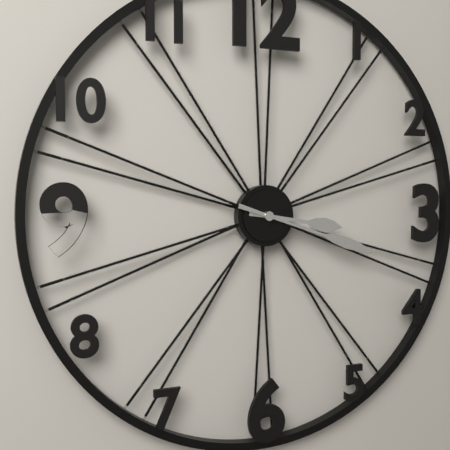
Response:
3h18
